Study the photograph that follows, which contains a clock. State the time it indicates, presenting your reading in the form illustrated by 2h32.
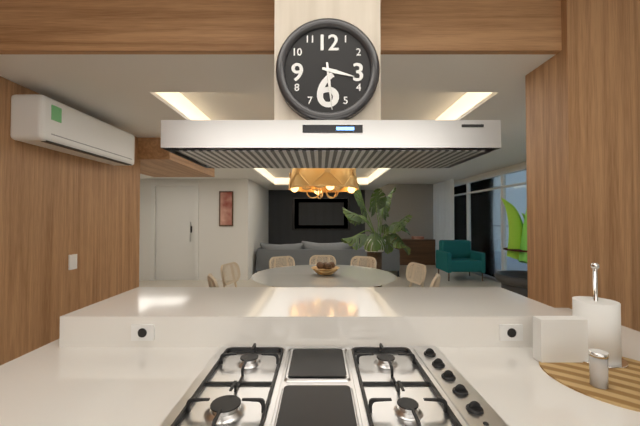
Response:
3h29
